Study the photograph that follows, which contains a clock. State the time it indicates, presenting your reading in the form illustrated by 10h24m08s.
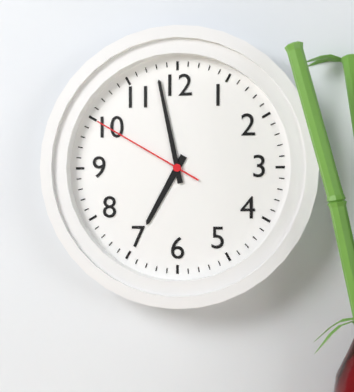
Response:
6h58m50s
